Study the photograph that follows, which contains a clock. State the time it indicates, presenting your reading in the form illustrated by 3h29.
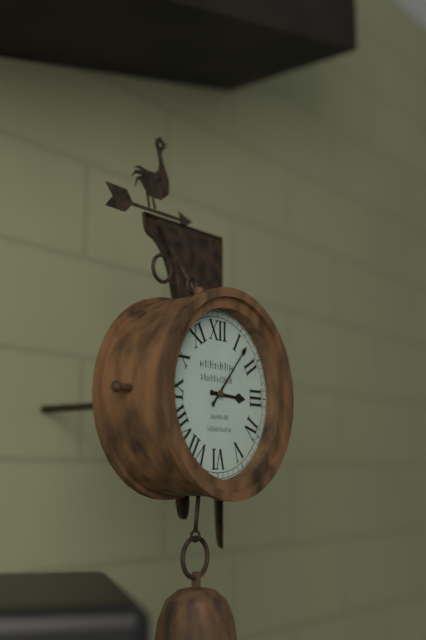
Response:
3h07
